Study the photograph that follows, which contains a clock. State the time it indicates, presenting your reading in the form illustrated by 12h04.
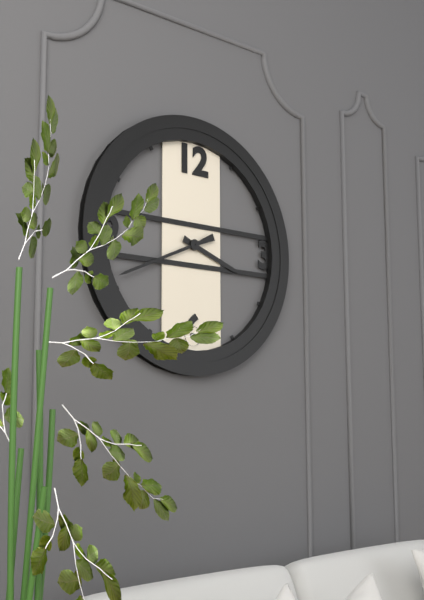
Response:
3h41
